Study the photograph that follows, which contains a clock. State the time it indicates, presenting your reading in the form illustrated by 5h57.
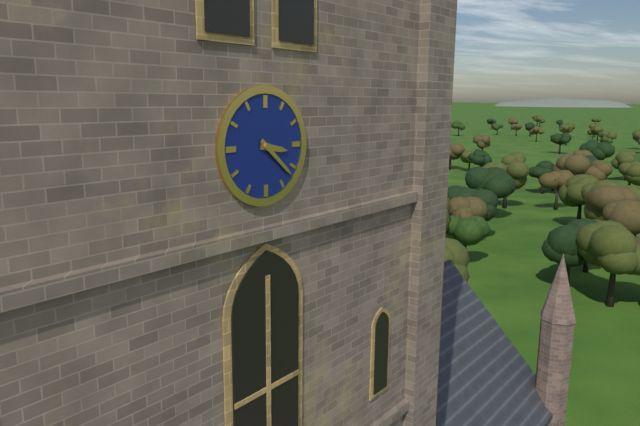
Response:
3h22
